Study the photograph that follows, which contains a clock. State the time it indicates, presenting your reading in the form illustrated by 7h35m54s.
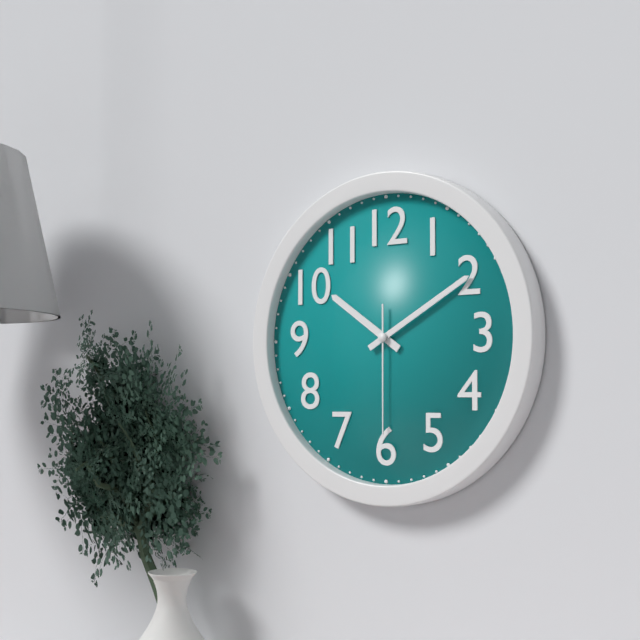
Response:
10h10m30s
